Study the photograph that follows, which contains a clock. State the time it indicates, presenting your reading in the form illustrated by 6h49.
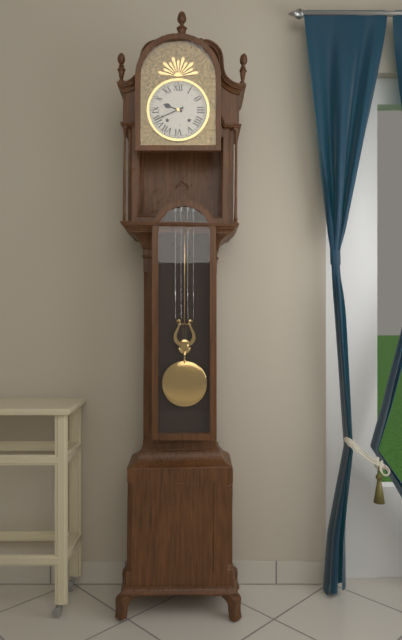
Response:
9h41
